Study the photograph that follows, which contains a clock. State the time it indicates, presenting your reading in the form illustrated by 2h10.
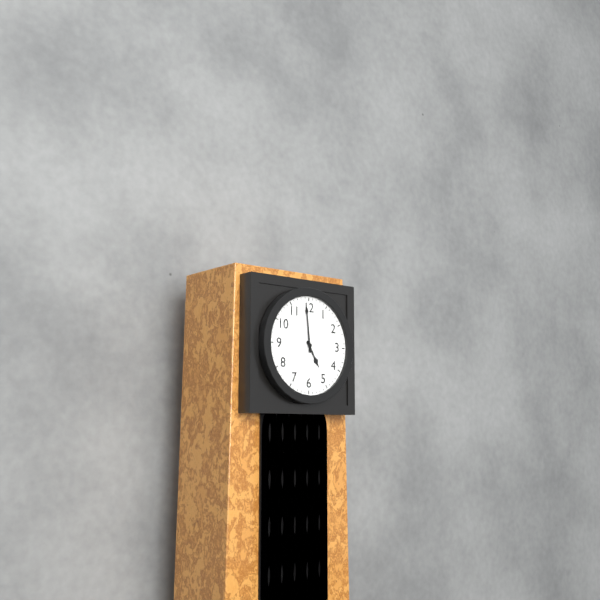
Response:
4h59
